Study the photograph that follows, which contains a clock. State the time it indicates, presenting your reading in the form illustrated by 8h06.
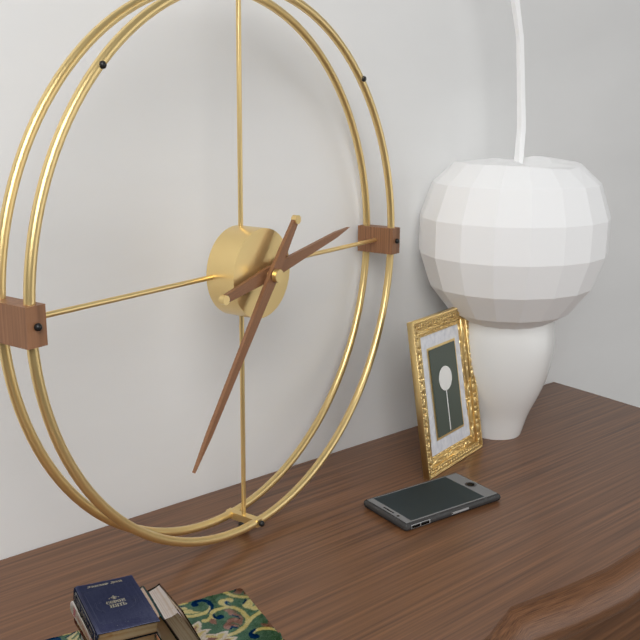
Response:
2h36
